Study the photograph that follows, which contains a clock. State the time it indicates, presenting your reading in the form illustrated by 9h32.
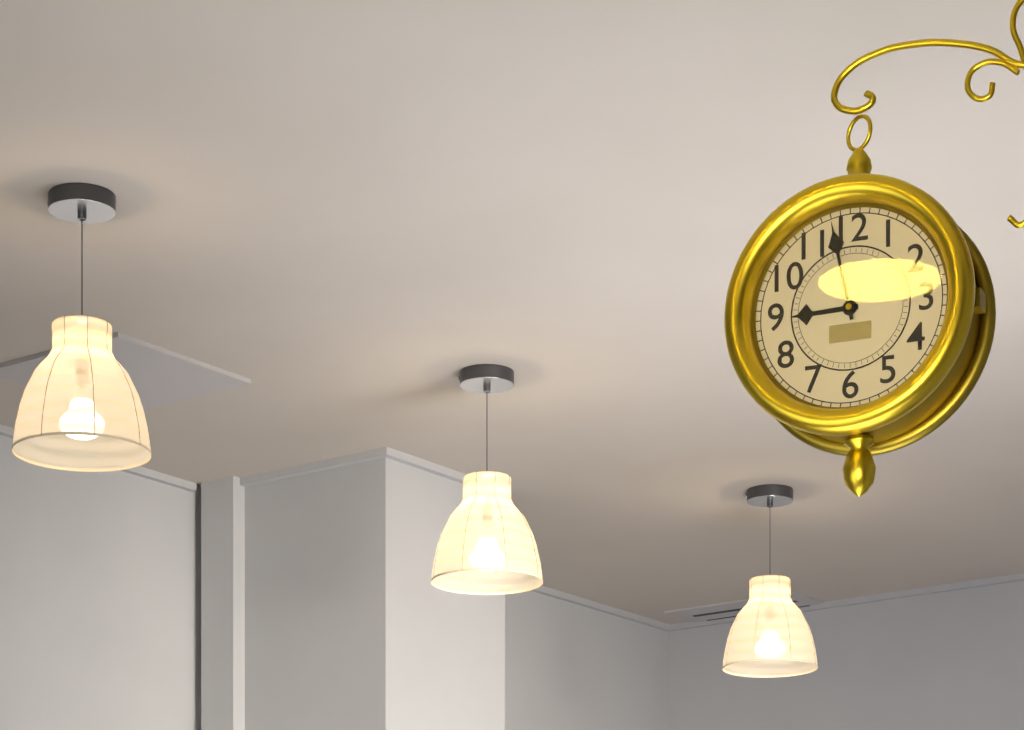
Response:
8h58
